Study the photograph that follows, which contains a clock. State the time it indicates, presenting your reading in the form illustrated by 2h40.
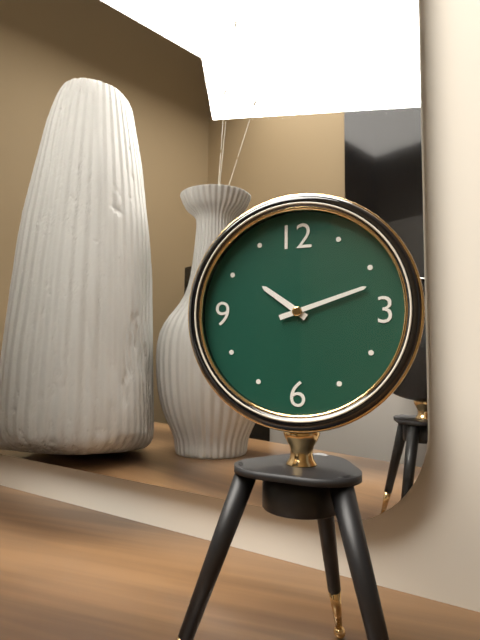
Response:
10h12
